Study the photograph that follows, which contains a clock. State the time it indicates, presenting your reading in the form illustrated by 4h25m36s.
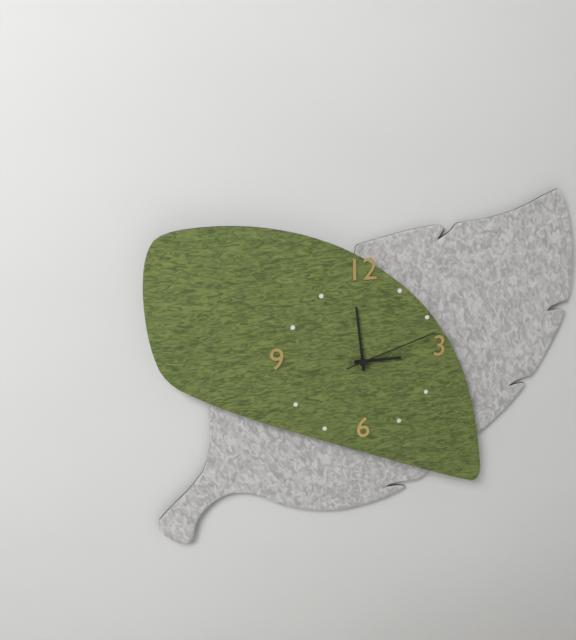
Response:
2h59m12s
